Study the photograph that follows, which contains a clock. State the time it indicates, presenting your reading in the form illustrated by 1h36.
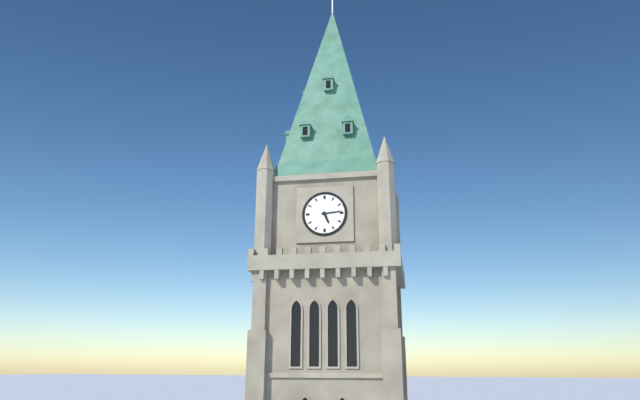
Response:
5h14
